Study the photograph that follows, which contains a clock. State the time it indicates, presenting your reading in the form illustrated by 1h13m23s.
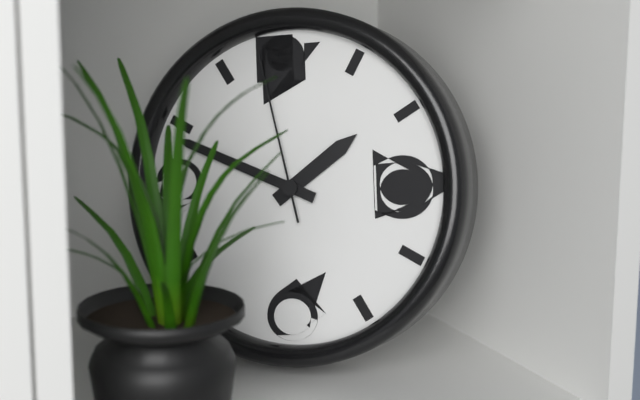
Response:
1h49m58s
